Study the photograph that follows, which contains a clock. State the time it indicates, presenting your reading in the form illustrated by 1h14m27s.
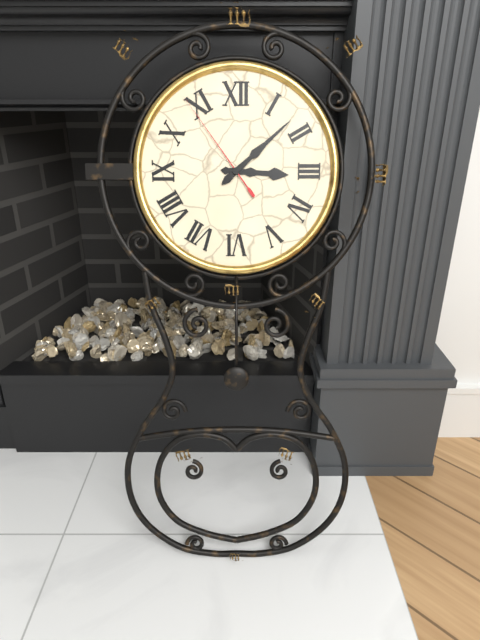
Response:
3h08m54s
